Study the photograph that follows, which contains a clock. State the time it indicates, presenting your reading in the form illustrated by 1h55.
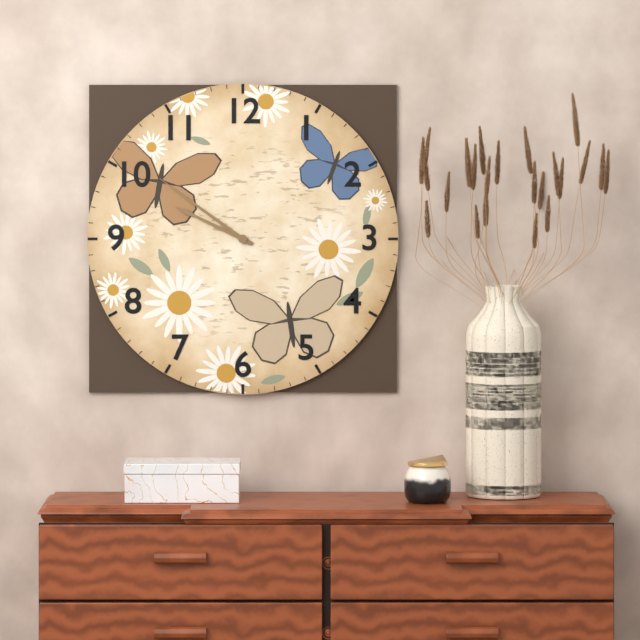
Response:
9h51
